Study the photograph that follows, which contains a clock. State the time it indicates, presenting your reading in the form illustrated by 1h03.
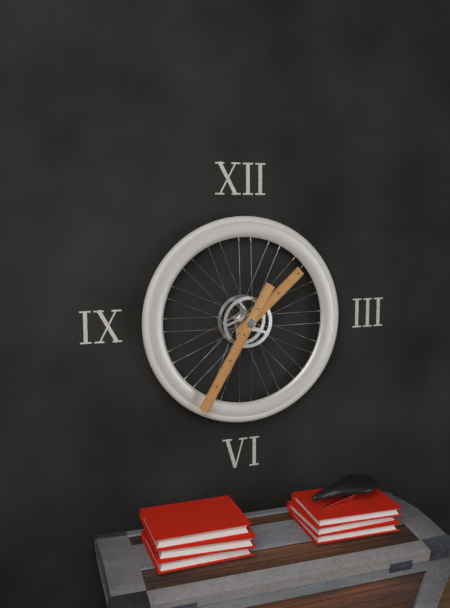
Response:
1h35
